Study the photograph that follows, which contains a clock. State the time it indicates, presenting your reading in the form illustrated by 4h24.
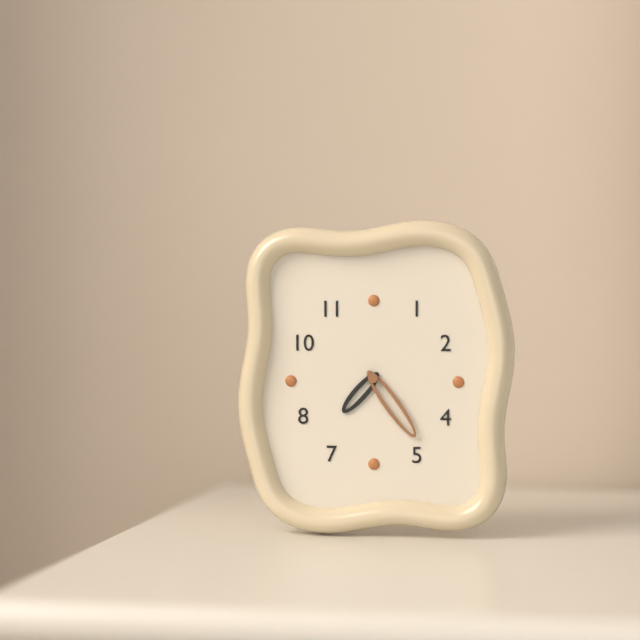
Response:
7h24
